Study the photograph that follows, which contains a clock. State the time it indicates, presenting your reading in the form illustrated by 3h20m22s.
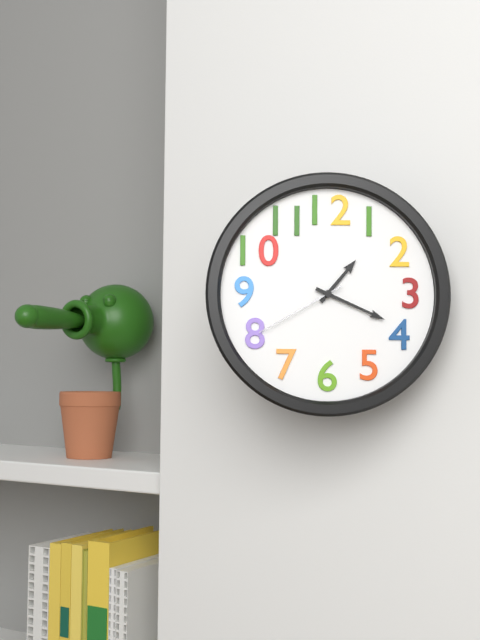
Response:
1h19m40s
